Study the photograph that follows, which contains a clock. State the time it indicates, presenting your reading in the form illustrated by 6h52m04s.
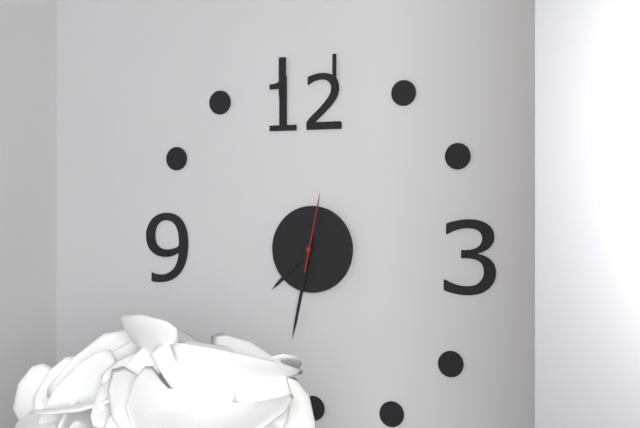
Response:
7h32m02s
